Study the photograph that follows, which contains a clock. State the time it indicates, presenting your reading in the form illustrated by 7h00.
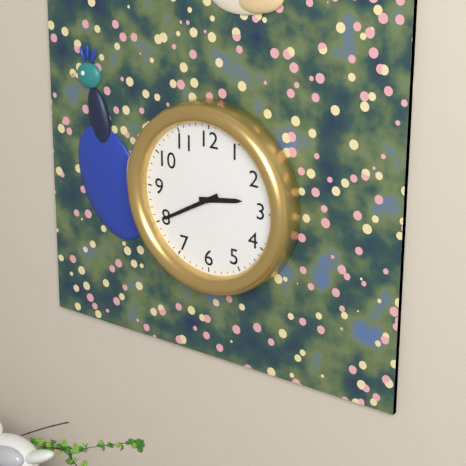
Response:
2h40
